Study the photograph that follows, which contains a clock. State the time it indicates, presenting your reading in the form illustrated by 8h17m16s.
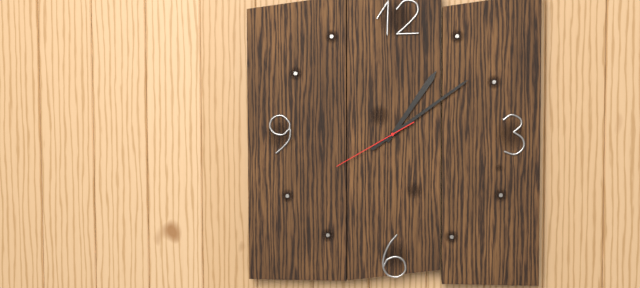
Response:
1h09m40s
